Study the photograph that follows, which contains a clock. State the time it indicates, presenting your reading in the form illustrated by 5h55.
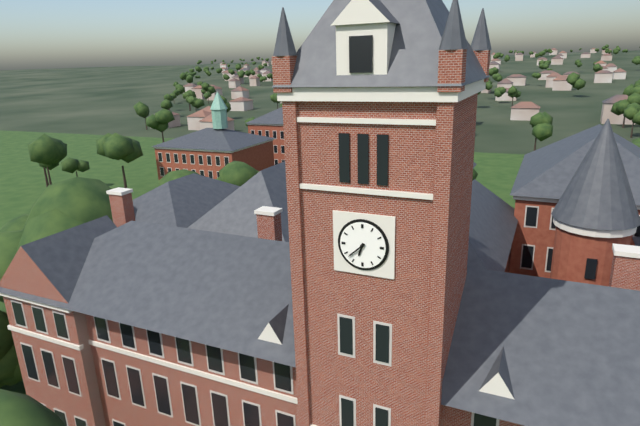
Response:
6h38
